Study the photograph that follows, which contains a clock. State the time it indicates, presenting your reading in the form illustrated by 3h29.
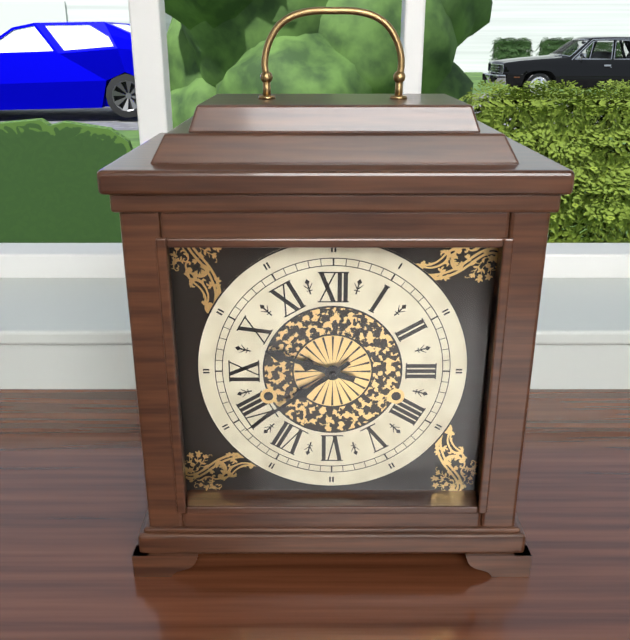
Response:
9h39
